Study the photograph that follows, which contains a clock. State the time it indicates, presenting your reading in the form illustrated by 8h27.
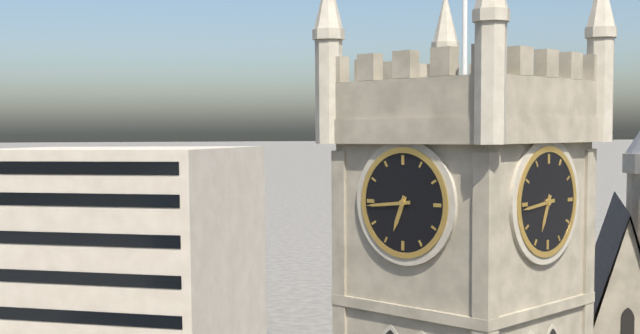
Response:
6h44
